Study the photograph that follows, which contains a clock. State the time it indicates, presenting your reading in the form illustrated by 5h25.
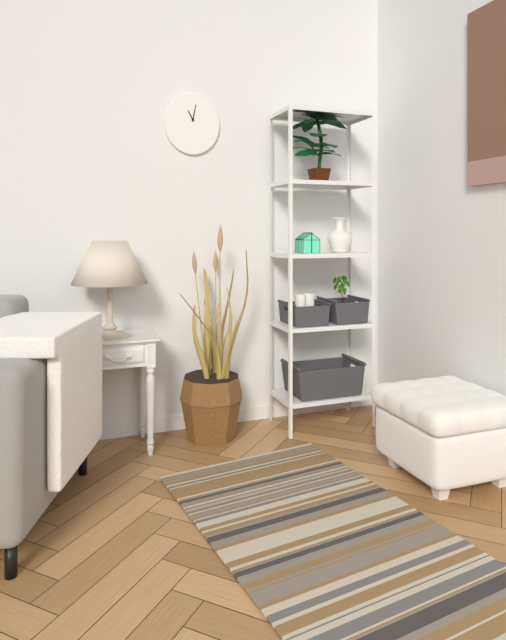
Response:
11h02
